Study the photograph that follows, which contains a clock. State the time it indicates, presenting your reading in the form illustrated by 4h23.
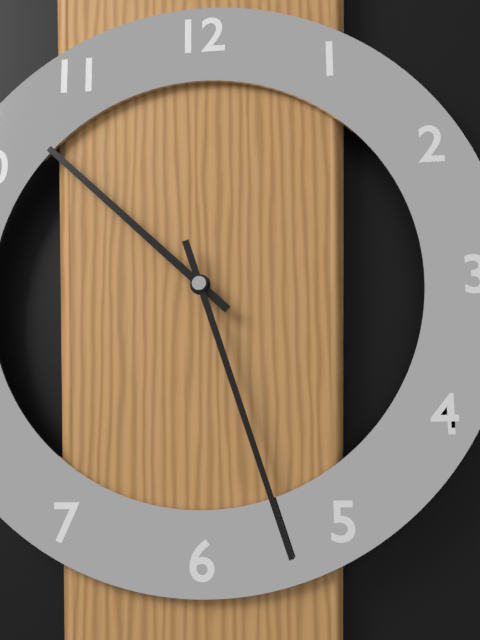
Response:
10h27
